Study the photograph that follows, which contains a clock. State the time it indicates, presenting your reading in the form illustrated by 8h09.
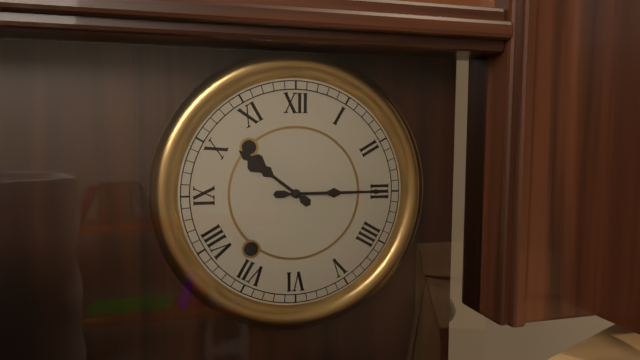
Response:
10h15
